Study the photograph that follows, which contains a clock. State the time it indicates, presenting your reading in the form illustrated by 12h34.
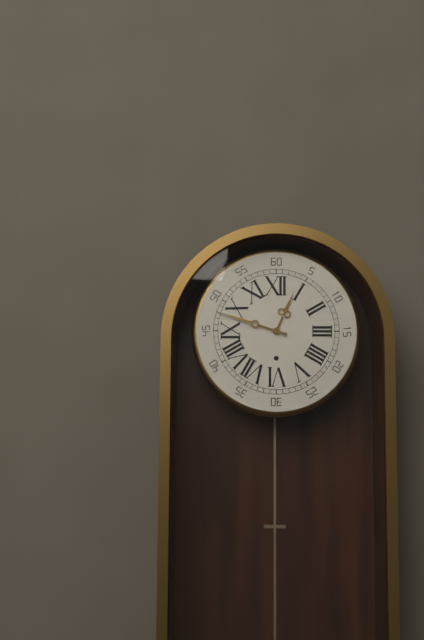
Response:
12h48
